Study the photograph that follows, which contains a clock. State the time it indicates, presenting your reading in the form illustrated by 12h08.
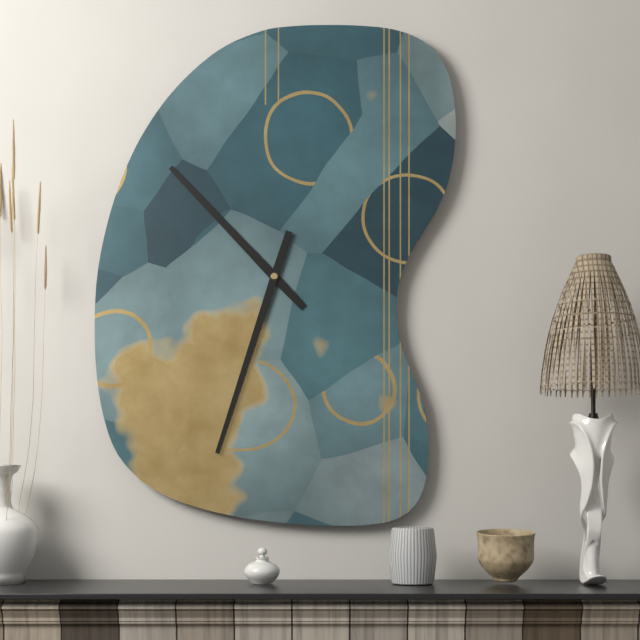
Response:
10h33
